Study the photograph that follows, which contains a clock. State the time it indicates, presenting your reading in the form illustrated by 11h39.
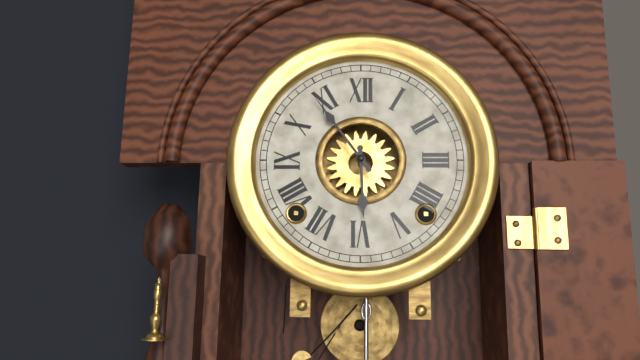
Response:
5h54
